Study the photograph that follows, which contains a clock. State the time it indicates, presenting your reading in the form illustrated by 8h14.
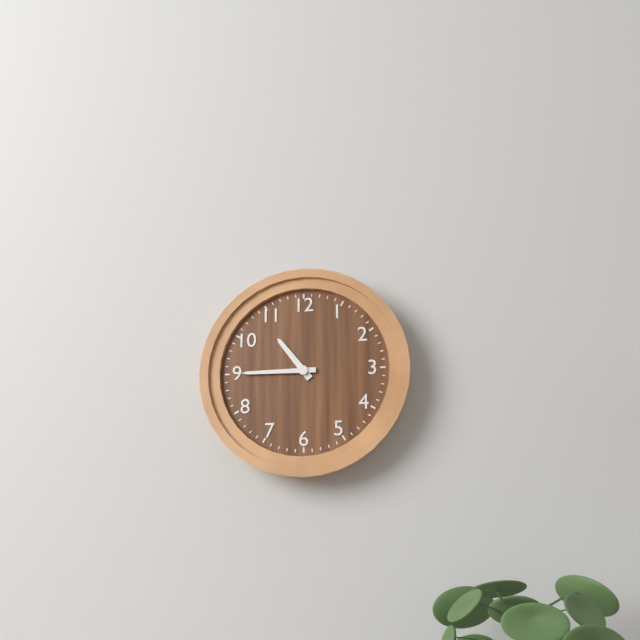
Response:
10h45
